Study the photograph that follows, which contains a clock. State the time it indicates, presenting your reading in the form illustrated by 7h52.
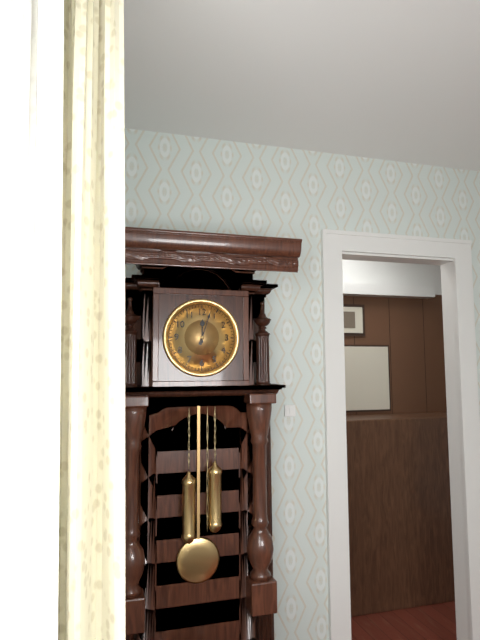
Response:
12h03
